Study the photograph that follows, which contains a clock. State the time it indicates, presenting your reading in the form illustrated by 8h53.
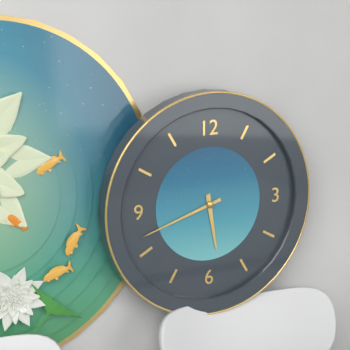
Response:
5h42
